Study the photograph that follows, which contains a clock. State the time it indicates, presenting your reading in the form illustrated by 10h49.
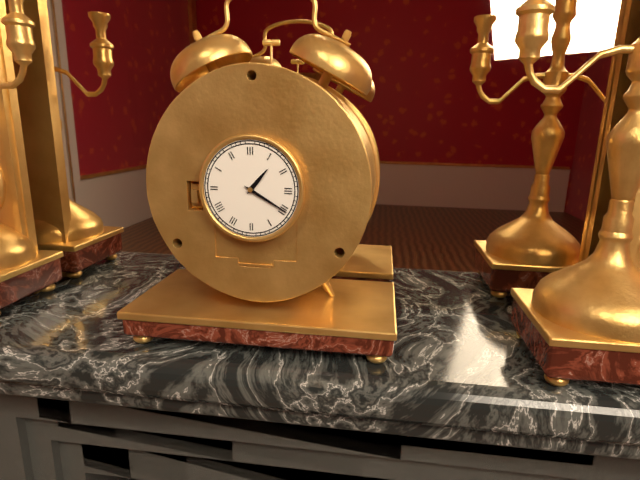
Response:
1h20
